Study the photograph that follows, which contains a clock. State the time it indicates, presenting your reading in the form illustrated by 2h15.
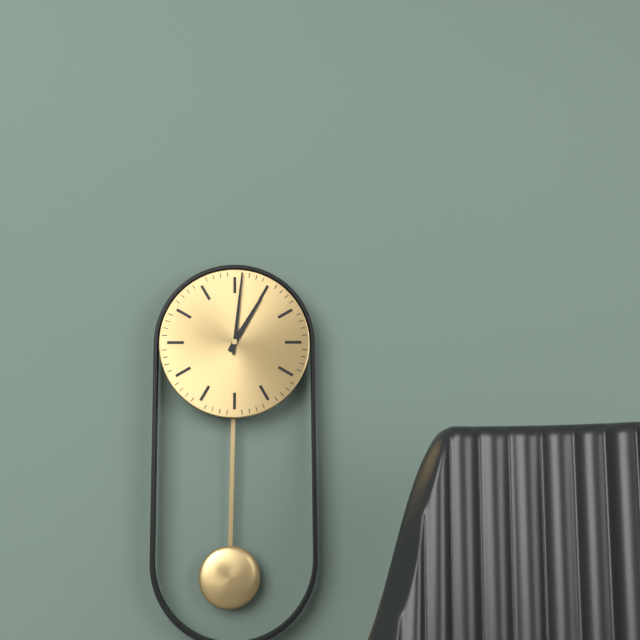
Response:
1h01
